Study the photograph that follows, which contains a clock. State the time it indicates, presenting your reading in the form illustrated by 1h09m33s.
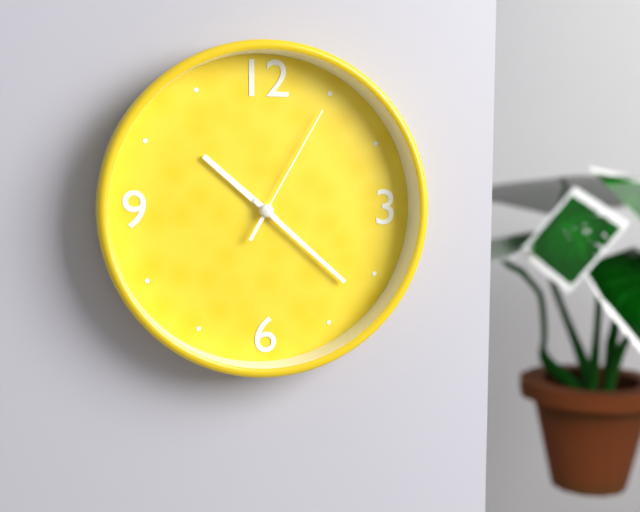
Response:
10h22m05s
